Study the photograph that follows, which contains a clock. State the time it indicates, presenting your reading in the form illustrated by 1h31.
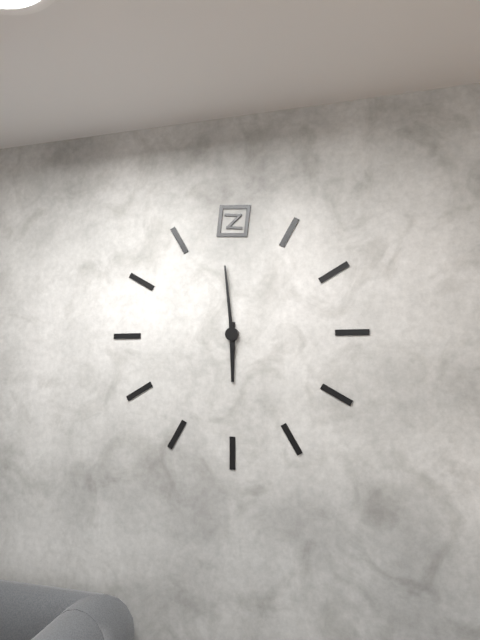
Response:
5h59
